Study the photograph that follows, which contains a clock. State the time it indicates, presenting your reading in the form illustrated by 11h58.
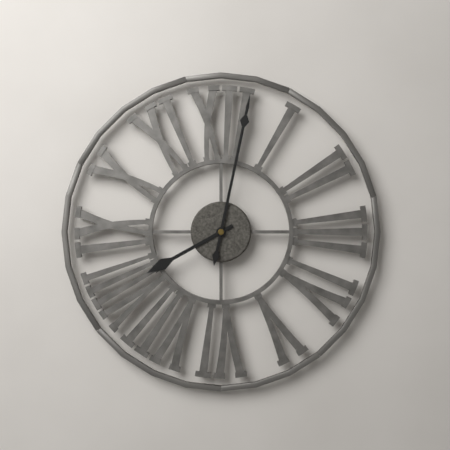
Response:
8h02
